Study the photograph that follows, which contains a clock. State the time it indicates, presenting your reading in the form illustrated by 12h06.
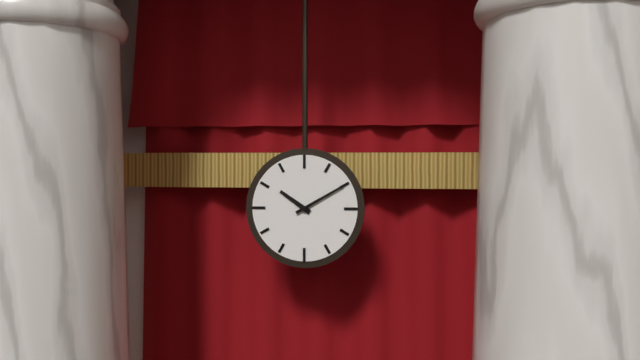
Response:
10h10
